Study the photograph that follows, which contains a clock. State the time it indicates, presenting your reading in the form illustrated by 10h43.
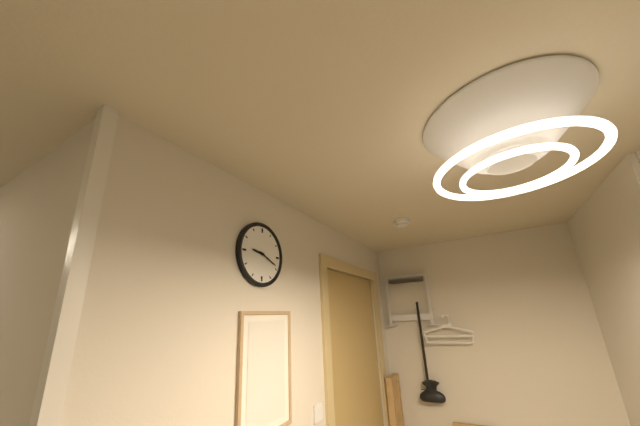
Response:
9h19
